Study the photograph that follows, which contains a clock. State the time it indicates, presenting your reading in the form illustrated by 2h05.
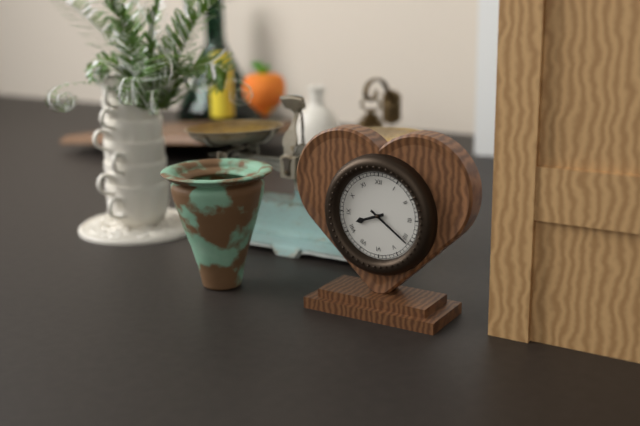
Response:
8h21
